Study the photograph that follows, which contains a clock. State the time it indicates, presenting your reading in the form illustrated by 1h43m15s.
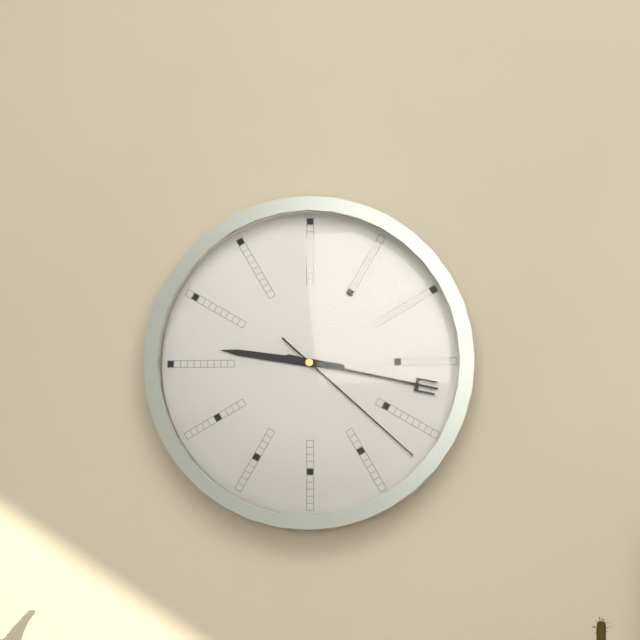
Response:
9h17m22s
